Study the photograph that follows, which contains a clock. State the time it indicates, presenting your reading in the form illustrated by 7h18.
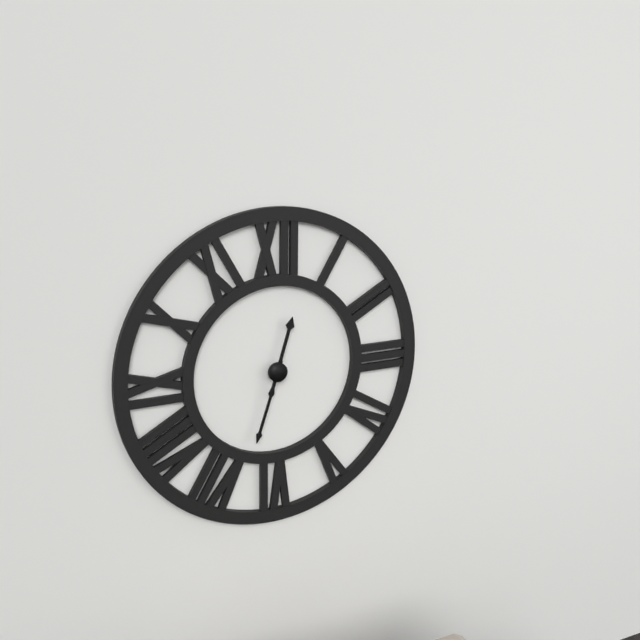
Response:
12h33
